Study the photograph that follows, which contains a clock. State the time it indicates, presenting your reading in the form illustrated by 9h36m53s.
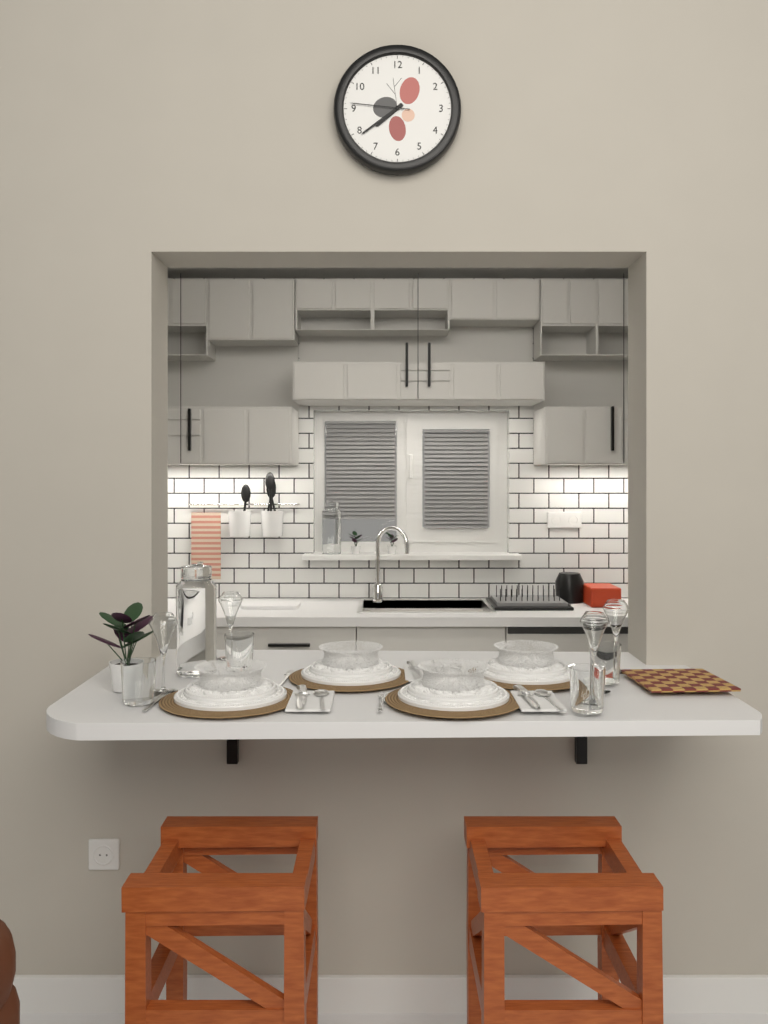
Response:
7h39m46s
